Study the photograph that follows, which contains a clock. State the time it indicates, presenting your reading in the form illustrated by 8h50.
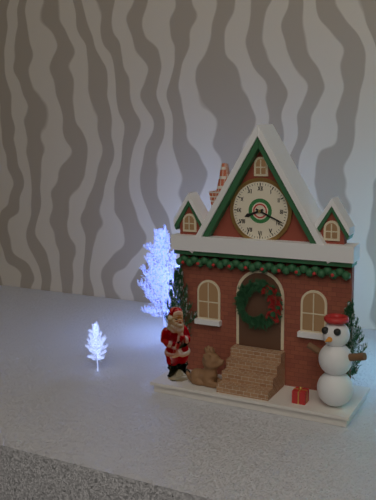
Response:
8h19
